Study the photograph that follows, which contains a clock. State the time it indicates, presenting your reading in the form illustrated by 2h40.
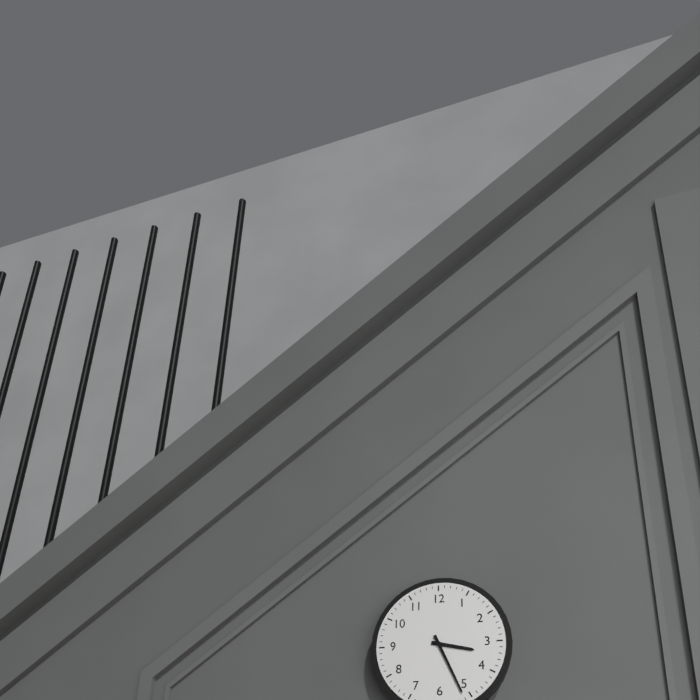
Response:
3h26
